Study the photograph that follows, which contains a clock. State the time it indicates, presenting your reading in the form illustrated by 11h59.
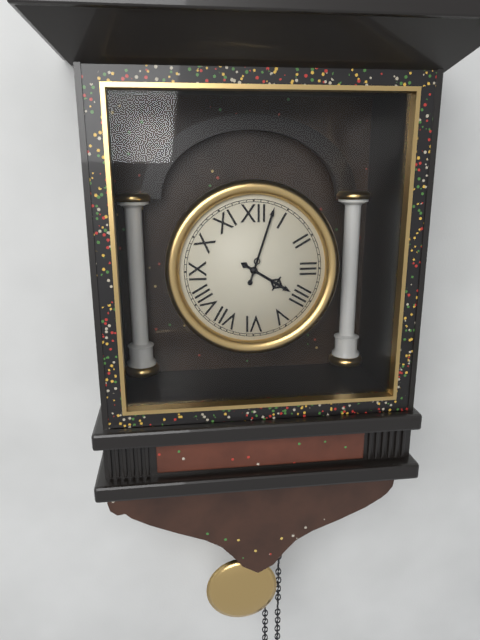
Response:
4h03
